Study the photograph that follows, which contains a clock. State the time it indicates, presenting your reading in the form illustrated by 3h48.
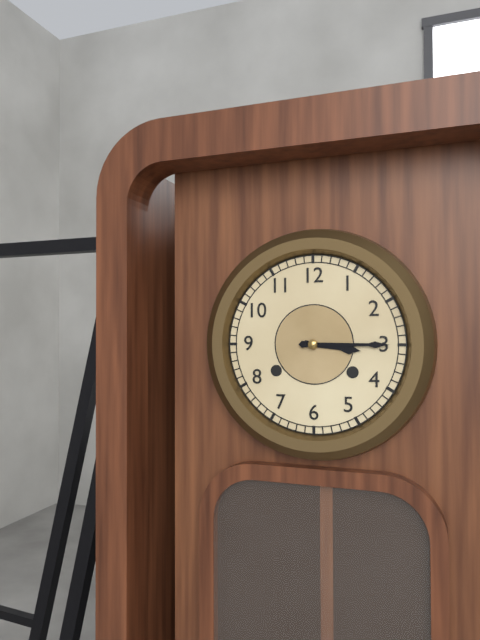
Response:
3h15
